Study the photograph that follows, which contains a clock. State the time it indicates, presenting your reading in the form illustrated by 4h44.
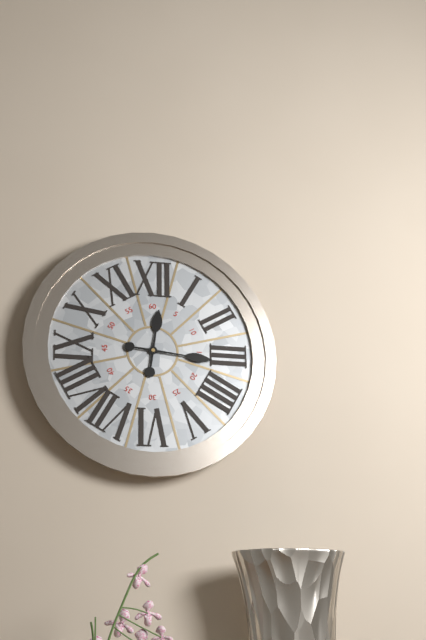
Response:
12h16
